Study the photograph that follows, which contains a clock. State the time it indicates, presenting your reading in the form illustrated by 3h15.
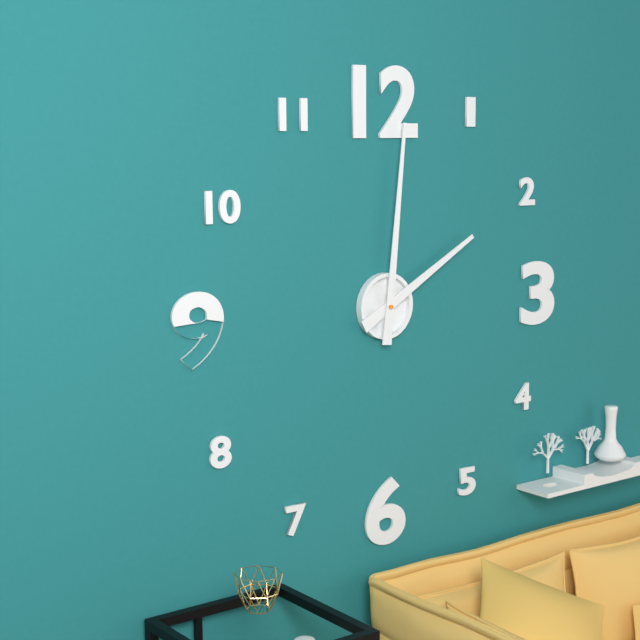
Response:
2h01
